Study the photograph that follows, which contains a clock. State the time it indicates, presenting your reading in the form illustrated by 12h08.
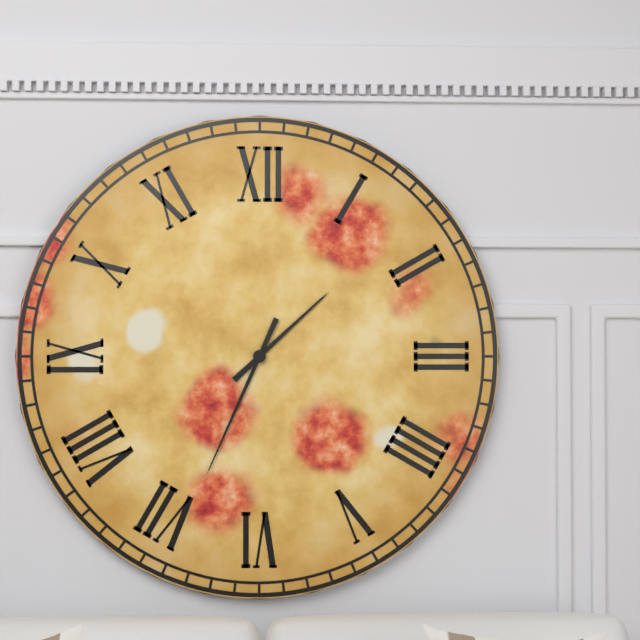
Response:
1h34
